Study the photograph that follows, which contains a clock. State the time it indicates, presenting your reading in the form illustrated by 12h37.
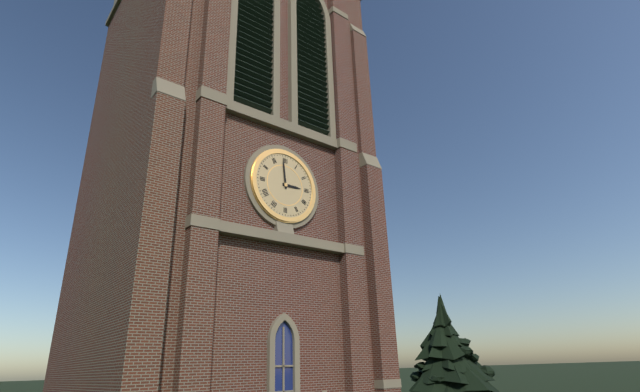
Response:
2h59
